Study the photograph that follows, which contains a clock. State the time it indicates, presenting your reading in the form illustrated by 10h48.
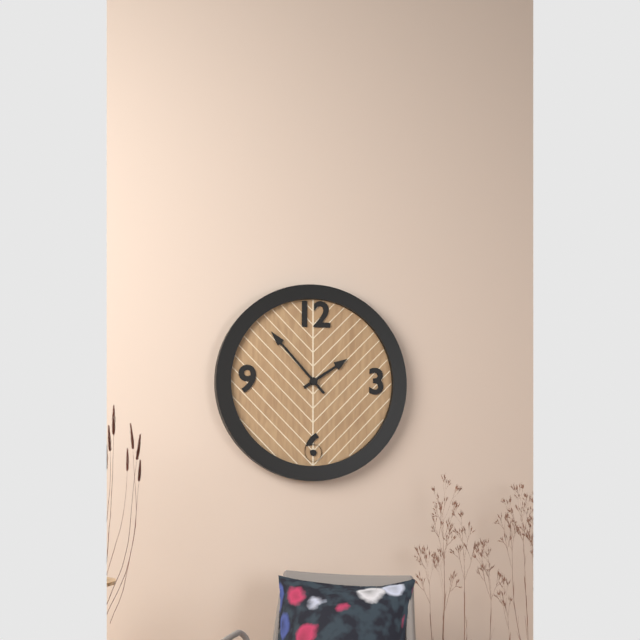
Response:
1h53
